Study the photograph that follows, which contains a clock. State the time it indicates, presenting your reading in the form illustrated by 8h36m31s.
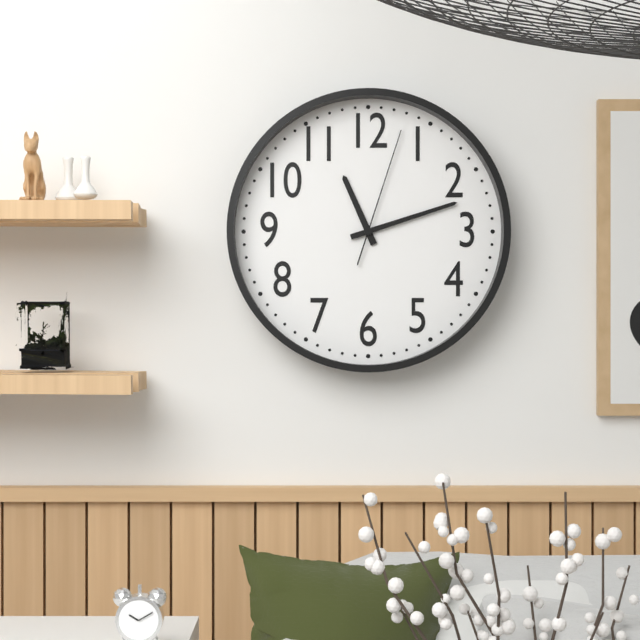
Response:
11h12m03s
